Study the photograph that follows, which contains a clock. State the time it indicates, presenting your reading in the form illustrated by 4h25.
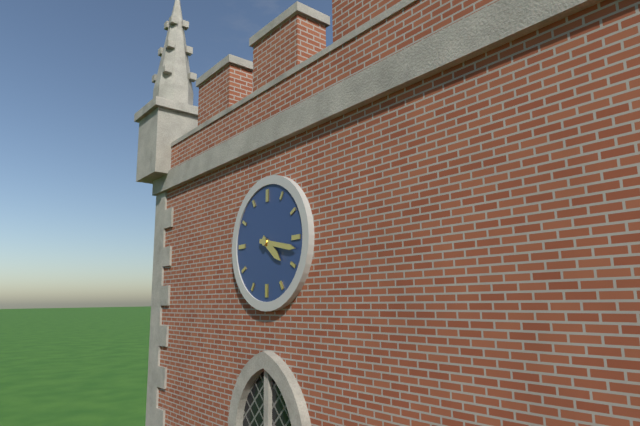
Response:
4h17
